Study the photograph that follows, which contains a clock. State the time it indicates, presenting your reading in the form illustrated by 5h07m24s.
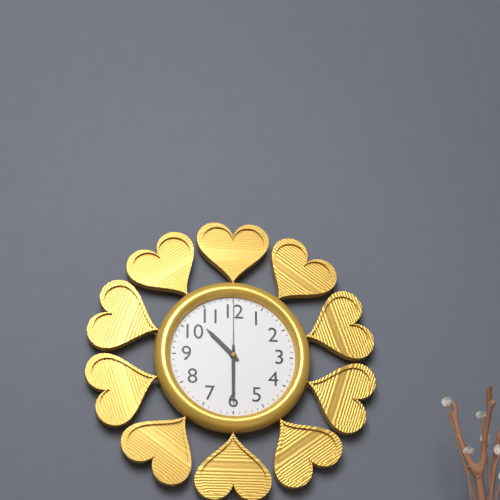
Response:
10h30m00s
